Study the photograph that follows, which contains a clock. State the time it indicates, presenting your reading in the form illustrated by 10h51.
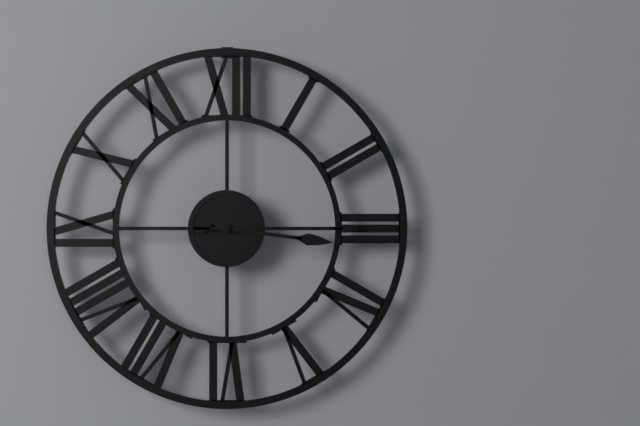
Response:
3h15
